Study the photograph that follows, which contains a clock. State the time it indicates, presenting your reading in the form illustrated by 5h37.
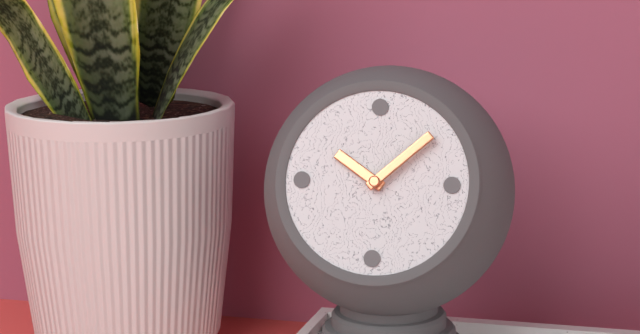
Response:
10h08
